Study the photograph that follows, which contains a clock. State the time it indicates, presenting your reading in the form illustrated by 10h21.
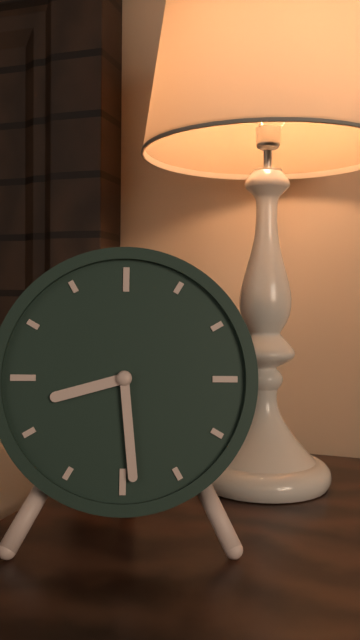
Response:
8h29
